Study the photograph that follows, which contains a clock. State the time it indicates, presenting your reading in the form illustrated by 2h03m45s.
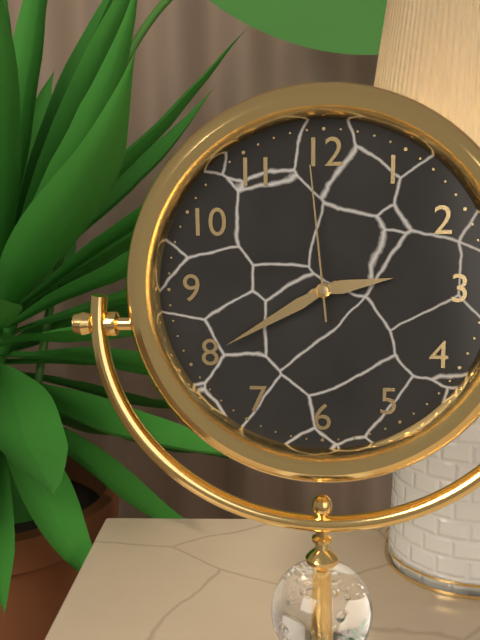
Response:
2h40m59s
